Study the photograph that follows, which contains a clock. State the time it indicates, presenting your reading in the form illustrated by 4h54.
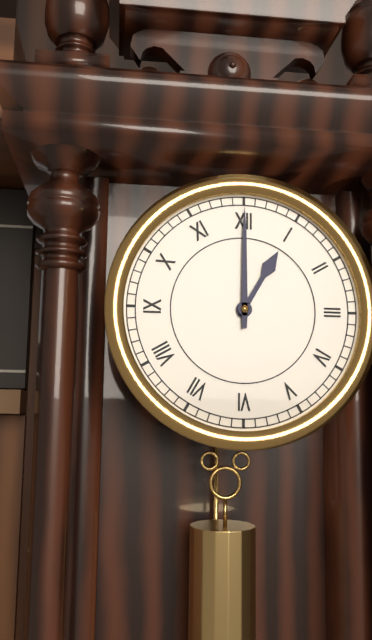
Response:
1h00
